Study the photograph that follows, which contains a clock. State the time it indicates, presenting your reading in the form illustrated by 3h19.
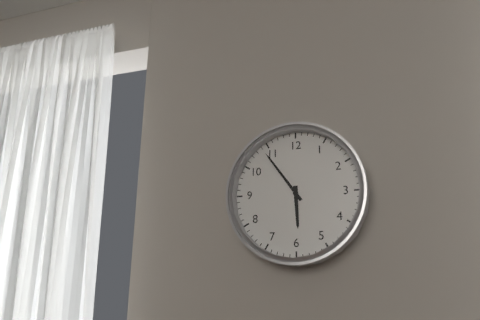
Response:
5h54
